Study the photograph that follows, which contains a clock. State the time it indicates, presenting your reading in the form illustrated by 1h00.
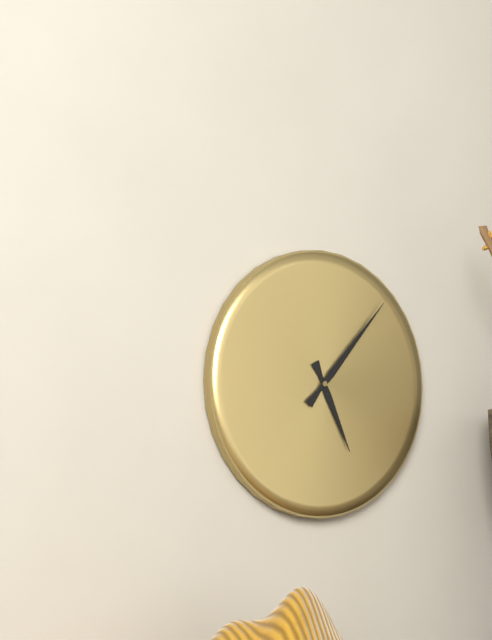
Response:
5h07
